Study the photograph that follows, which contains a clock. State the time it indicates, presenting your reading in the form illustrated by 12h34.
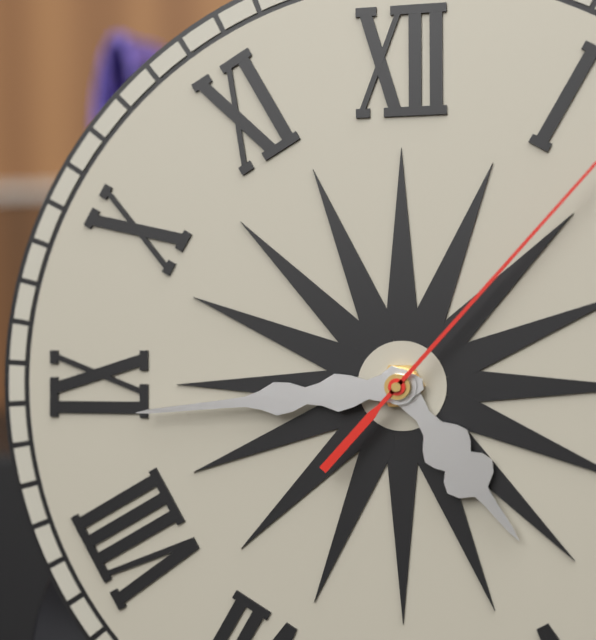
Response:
4h44
